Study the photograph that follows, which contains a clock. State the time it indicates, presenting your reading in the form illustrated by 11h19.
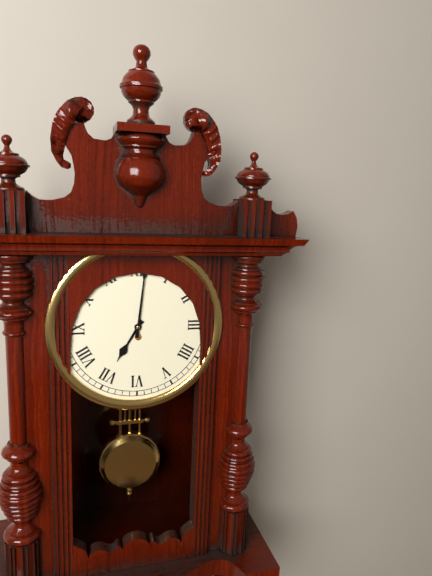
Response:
7h01
